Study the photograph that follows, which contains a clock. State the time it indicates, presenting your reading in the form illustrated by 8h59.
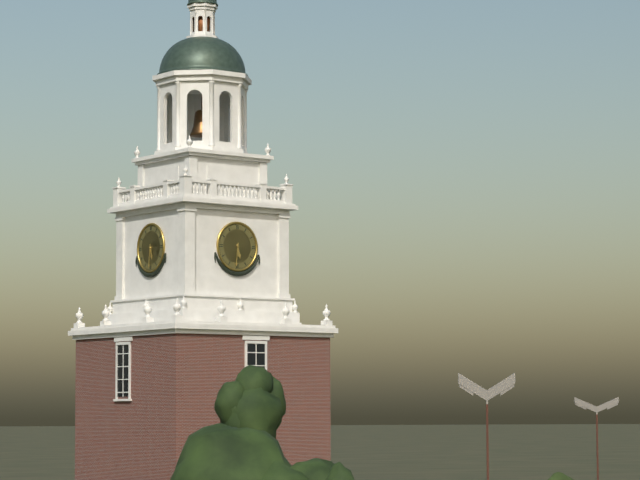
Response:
5h31
